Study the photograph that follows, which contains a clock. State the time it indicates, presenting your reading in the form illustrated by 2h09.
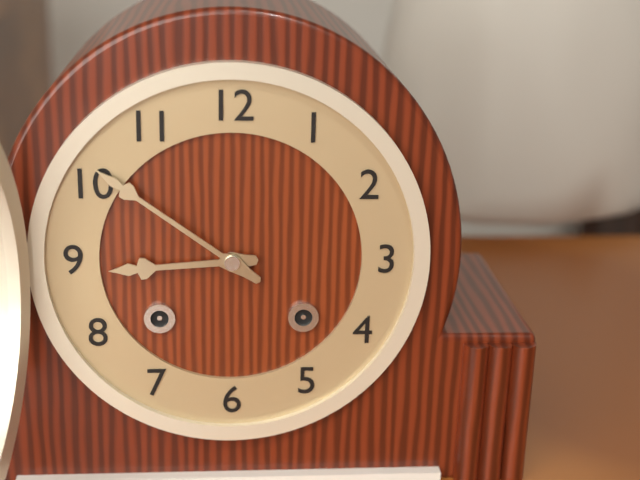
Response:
8h51
